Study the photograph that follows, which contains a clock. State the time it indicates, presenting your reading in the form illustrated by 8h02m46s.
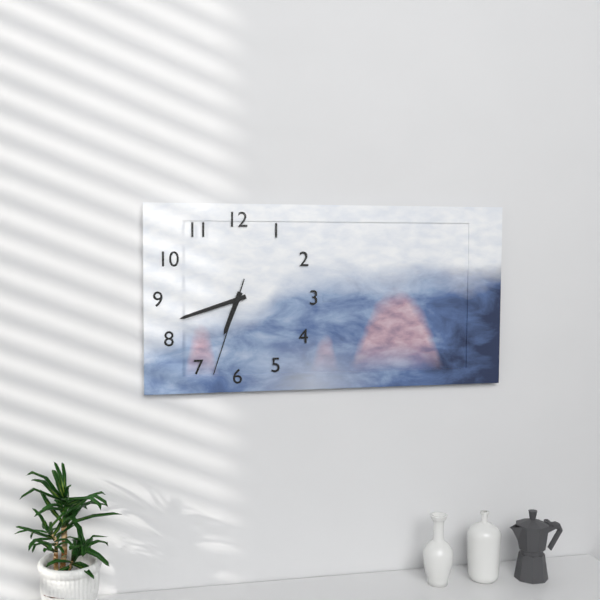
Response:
6h42m33s
